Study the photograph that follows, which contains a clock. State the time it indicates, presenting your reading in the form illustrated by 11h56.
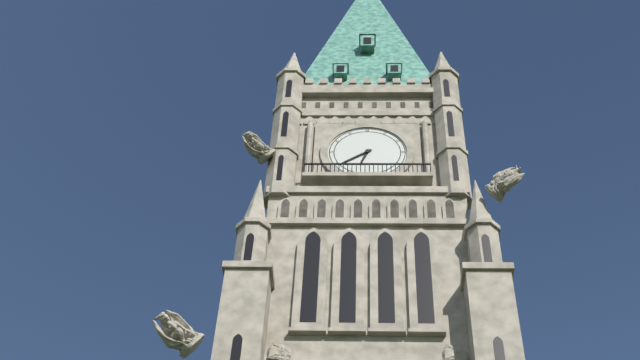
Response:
6h39
